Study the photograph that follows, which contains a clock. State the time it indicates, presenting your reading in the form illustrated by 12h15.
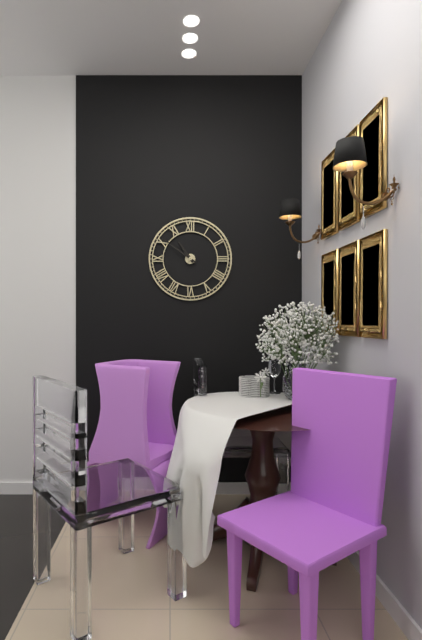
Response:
10h51
